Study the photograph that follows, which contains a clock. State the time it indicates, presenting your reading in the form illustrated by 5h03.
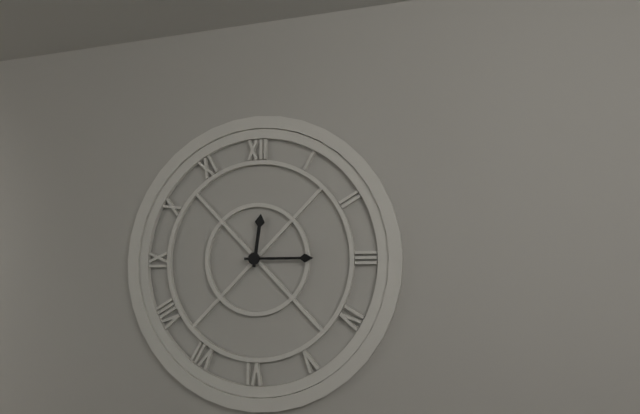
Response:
12h15
